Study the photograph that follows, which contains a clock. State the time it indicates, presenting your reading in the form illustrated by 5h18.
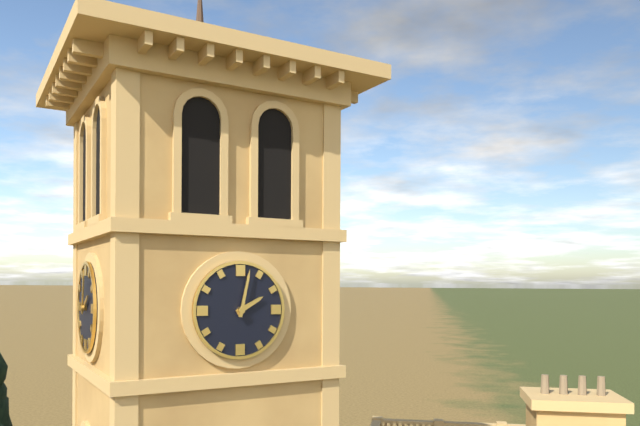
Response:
2h02
